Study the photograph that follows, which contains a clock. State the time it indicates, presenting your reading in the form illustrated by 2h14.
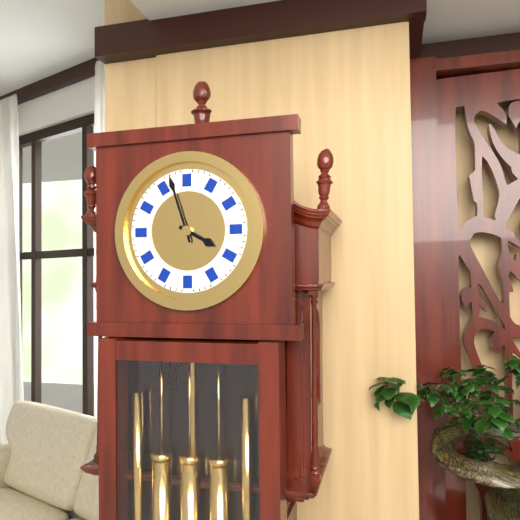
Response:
3h57
